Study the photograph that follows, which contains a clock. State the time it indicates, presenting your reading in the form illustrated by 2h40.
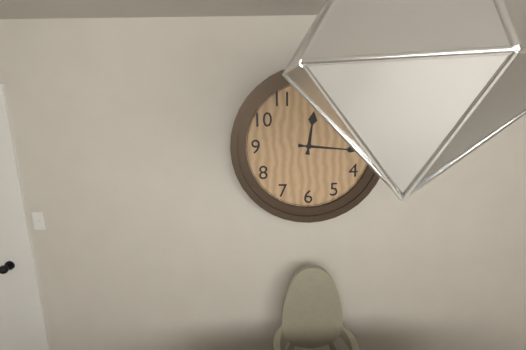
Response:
12h16
